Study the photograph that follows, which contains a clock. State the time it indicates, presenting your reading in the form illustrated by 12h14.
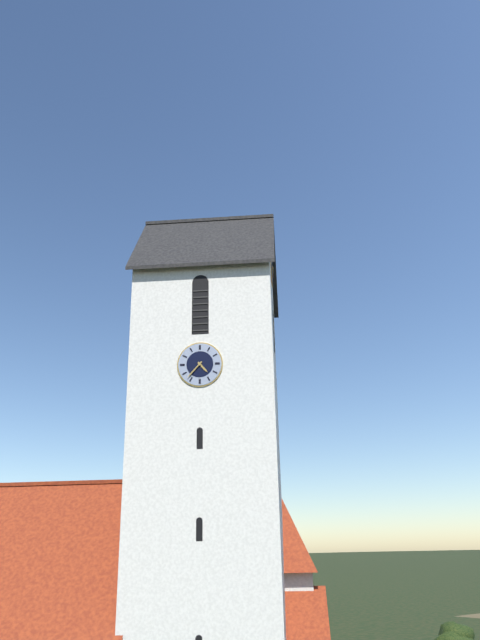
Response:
4h37
